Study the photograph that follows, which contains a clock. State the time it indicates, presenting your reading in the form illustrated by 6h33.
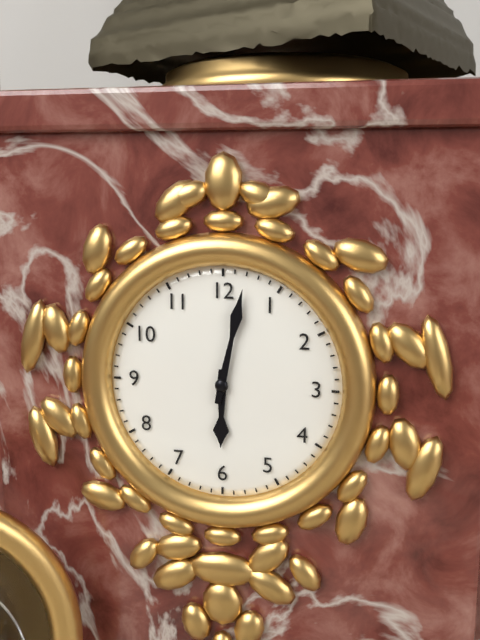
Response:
6h02
